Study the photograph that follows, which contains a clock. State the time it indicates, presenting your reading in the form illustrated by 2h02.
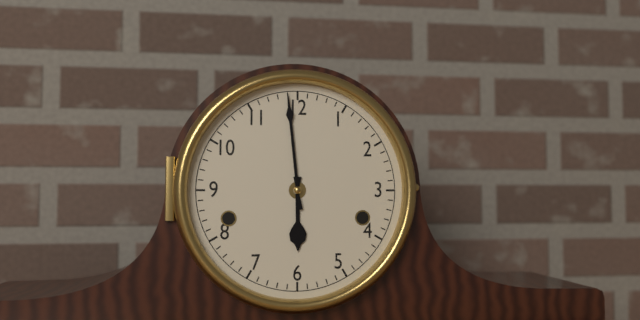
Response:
5h59
